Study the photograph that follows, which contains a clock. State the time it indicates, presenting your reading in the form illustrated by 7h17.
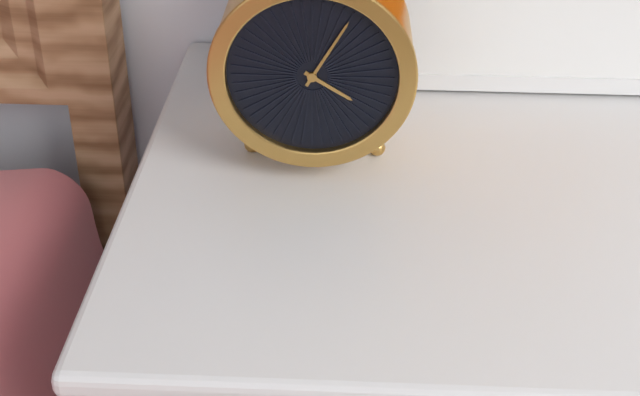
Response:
4h05
